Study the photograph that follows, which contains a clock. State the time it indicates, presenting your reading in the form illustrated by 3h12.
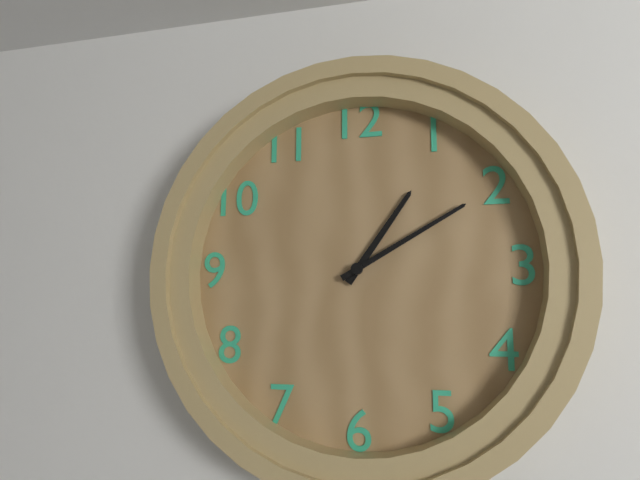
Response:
1h10
